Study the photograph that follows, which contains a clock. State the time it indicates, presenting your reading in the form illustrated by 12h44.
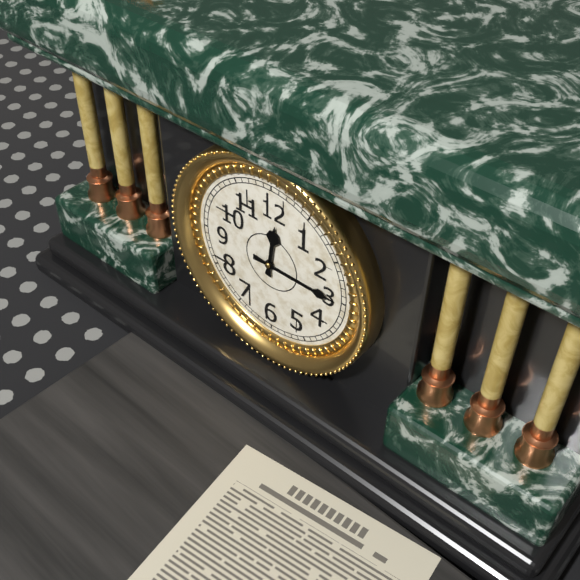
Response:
12h15
